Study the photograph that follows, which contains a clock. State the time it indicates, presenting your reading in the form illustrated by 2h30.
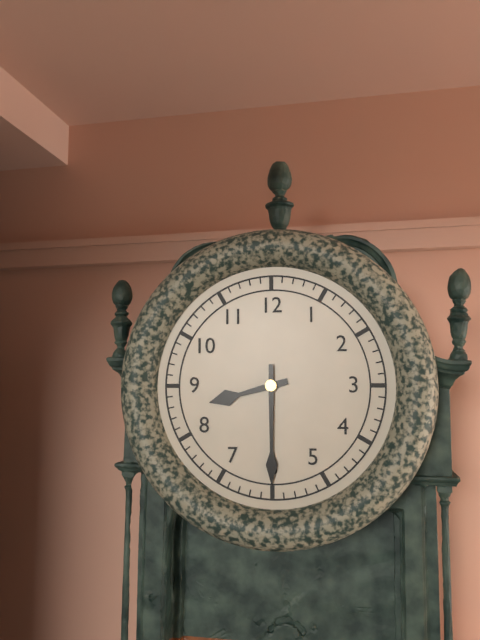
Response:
8h30
